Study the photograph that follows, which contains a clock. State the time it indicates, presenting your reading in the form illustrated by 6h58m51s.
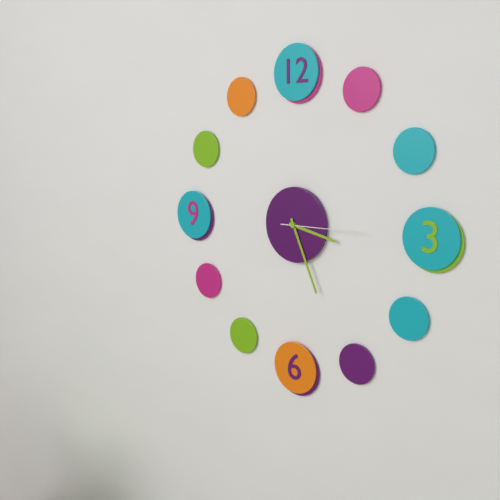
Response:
3h26m15s
